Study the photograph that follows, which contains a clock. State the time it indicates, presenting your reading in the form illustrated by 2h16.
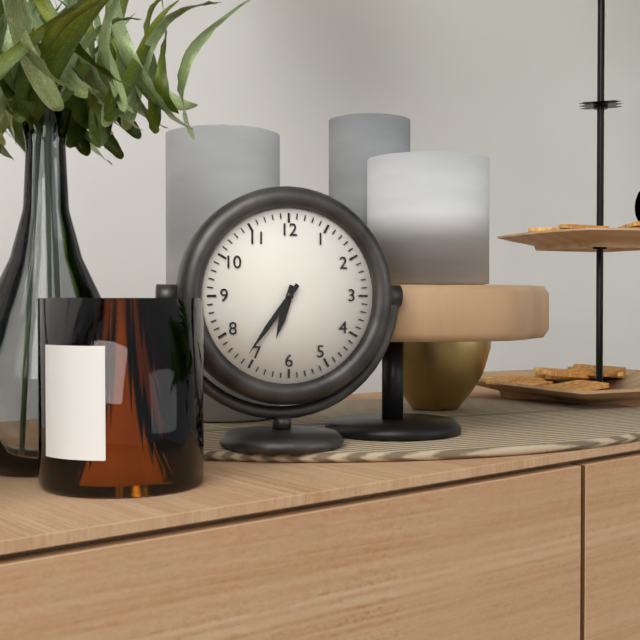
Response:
6h36
